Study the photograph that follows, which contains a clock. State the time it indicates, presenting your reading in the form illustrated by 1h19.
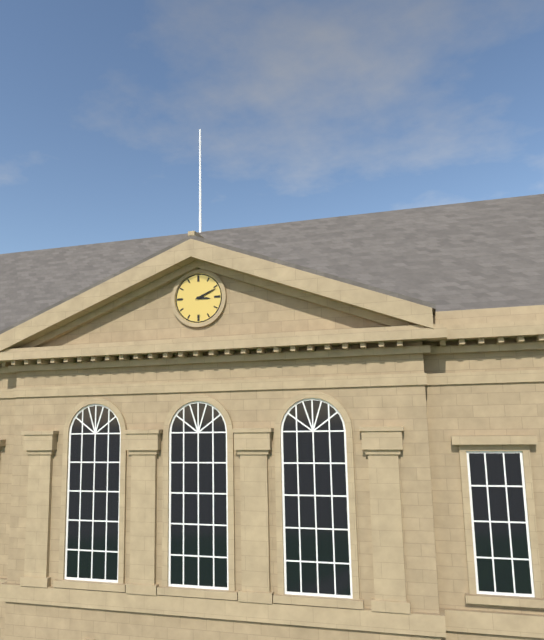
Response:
3h11
